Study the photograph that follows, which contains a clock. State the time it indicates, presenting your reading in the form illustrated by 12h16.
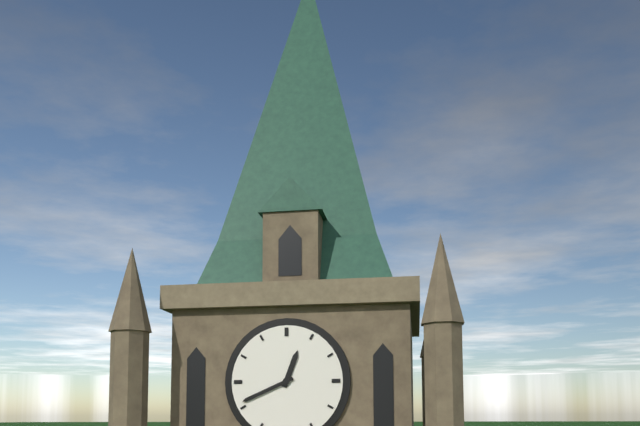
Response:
12h41
